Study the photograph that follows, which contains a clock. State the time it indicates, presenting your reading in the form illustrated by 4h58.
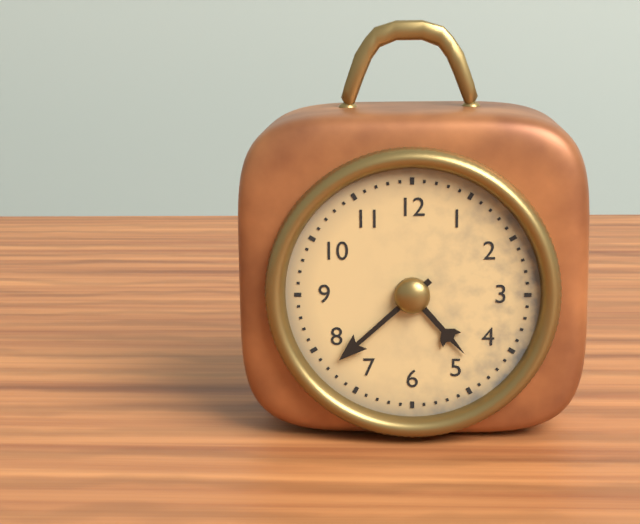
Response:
4h38
